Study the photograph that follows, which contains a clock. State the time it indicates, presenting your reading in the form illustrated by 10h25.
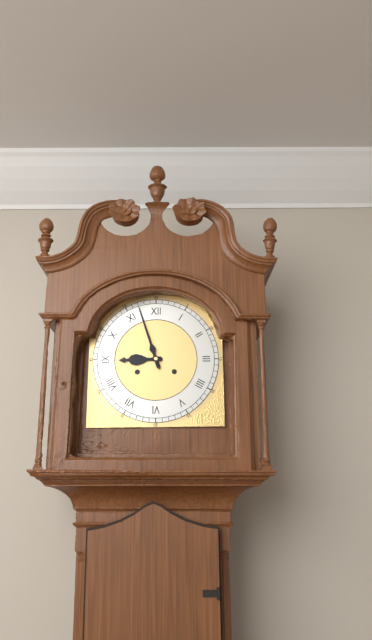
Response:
8h57
